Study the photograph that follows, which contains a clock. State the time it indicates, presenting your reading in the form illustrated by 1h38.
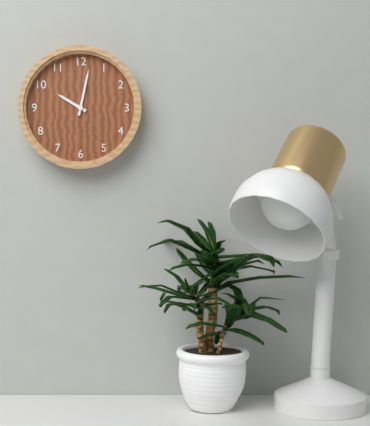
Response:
10h02
